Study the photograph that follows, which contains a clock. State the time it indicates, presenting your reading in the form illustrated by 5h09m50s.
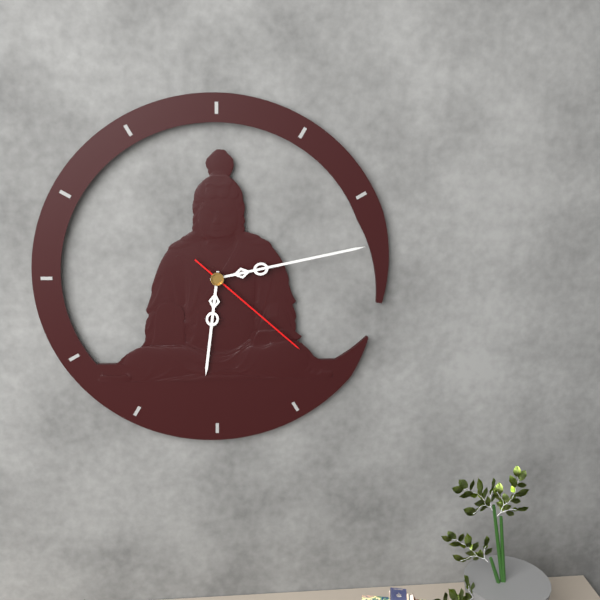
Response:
6h13m22s
